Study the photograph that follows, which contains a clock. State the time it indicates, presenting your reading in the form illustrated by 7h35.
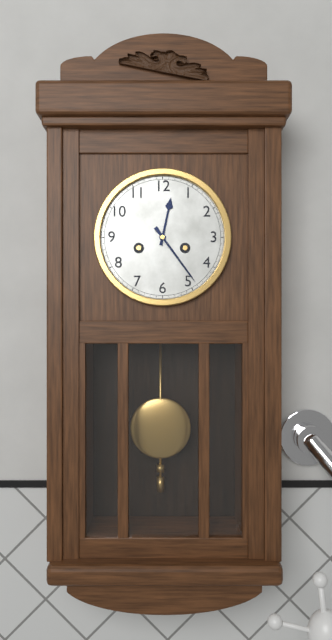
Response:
12h24
